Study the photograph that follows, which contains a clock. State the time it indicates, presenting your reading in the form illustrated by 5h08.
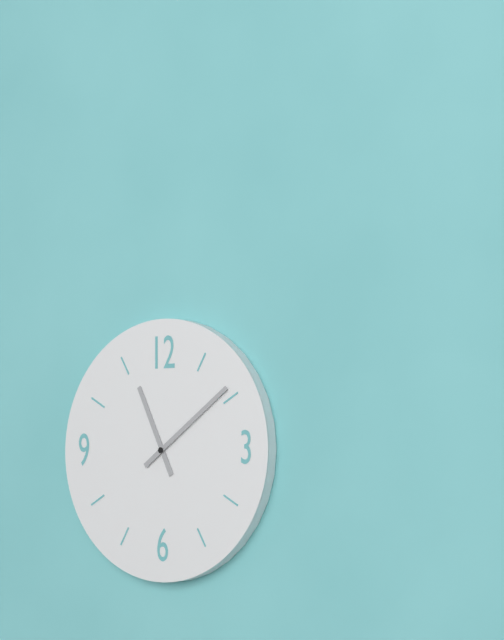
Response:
11h09
